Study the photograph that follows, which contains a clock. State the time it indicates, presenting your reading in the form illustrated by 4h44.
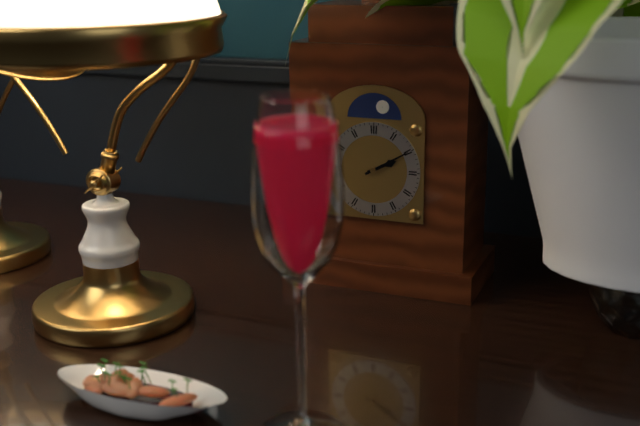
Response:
2h10
